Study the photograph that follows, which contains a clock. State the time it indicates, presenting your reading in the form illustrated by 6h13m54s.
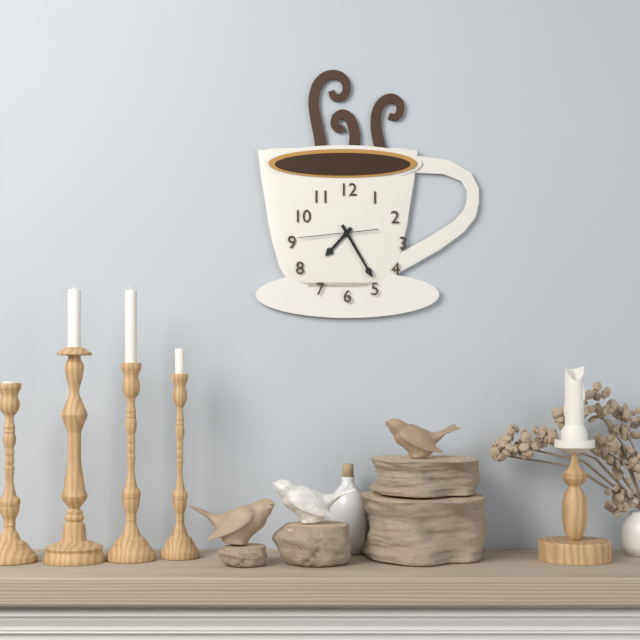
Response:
7h25m44s
